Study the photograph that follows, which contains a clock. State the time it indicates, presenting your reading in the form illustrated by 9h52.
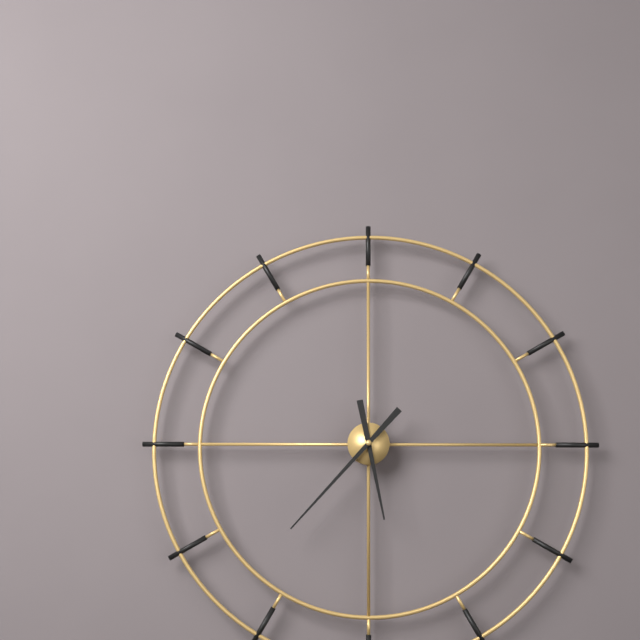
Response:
5h37
